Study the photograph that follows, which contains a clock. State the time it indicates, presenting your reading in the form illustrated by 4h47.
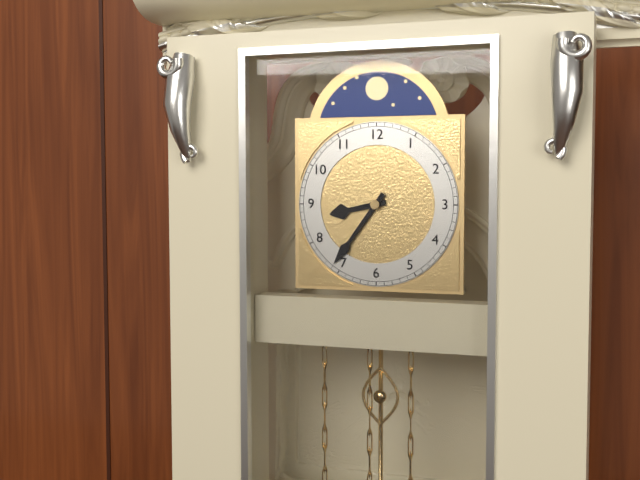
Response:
8h36
